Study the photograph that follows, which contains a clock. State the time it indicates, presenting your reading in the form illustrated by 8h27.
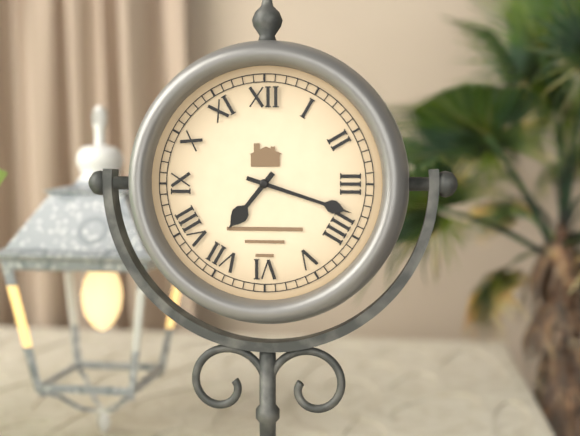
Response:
7h18
